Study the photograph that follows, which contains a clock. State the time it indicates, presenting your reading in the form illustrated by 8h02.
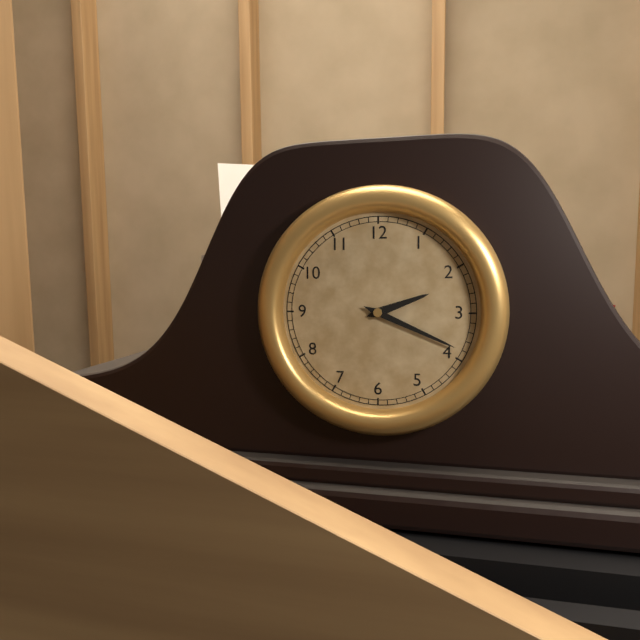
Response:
2h19
